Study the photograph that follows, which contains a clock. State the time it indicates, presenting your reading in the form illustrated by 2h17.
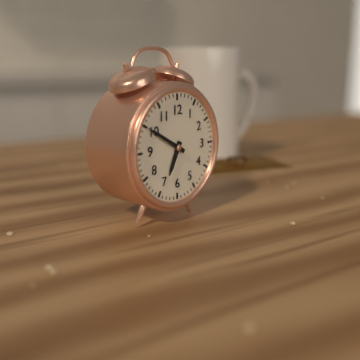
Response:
6h50
